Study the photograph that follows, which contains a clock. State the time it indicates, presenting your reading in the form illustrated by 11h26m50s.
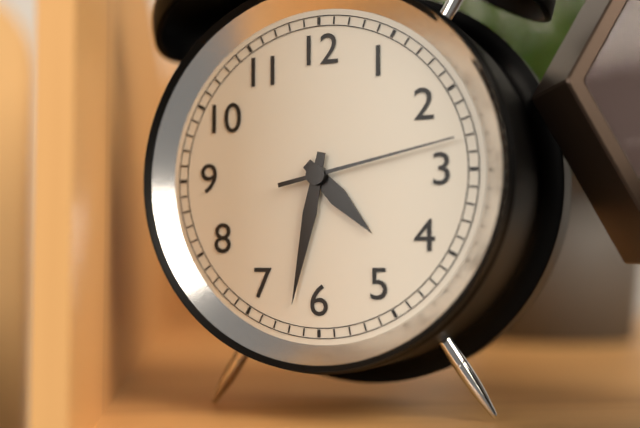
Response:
4h32m13s
